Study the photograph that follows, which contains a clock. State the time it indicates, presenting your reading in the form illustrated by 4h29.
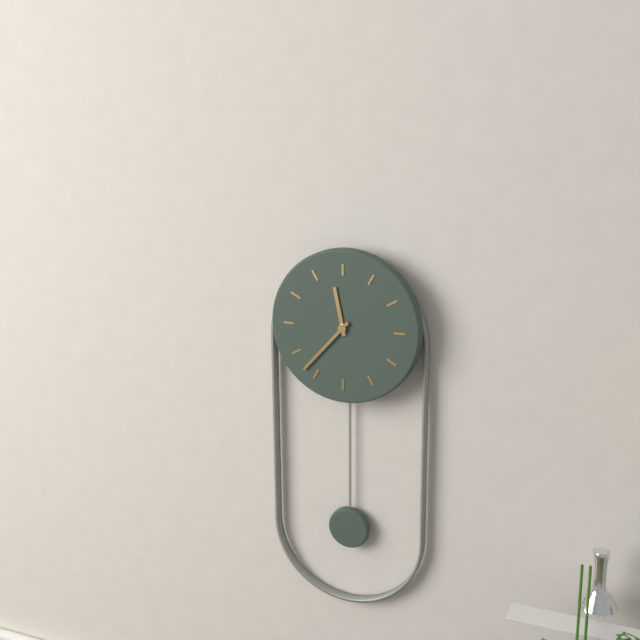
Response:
11h37
